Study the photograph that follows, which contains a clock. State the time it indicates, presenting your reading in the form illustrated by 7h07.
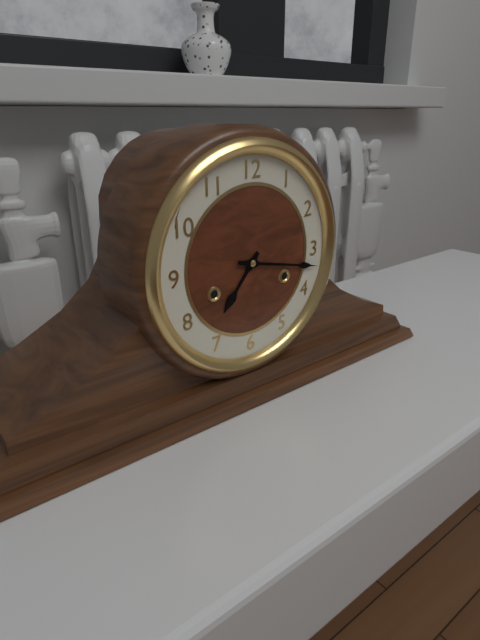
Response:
7h17
